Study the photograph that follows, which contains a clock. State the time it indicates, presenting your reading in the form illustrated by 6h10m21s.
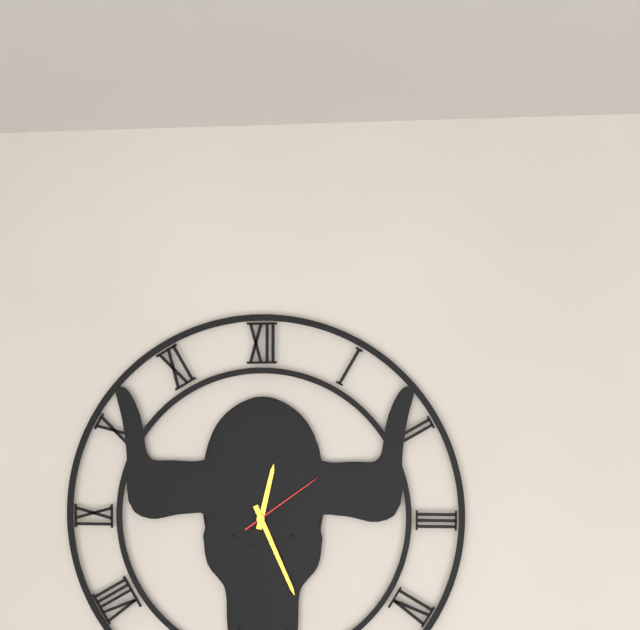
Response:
12h26m09s
